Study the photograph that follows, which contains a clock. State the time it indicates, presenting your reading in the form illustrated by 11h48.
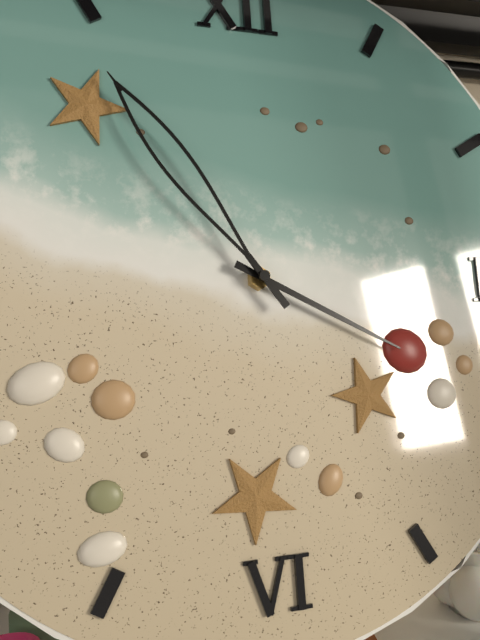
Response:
3h54
